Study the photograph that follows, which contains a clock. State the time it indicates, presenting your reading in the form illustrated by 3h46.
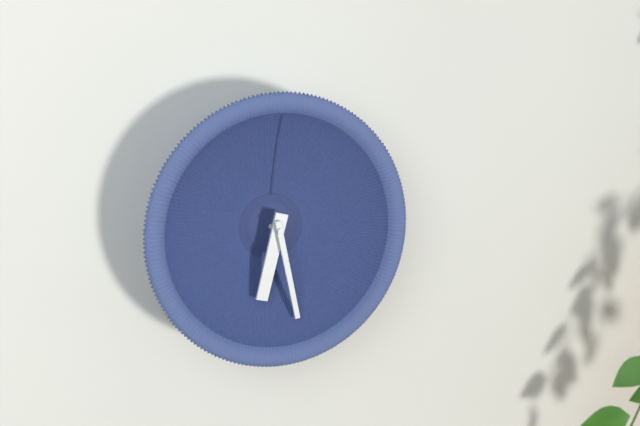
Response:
6h28
